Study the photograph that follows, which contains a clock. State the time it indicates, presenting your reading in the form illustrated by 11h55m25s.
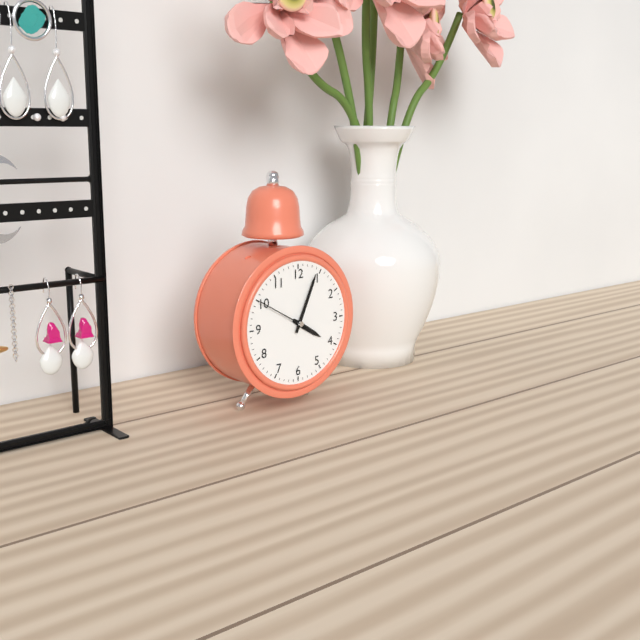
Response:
4h04m50s
